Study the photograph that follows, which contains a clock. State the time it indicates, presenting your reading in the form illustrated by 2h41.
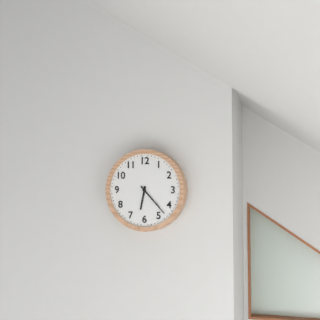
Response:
6h23
